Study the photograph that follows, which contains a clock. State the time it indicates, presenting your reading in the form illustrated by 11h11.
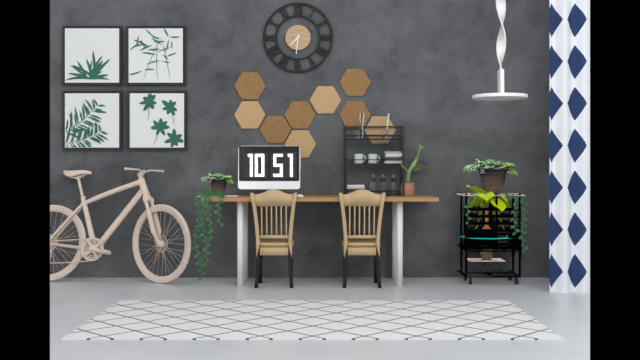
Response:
7h31
